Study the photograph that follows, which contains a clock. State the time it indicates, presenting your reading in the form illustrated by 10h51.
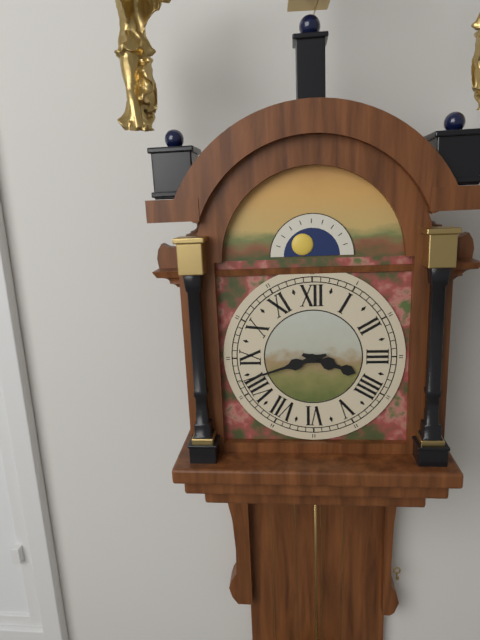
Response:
3h42
